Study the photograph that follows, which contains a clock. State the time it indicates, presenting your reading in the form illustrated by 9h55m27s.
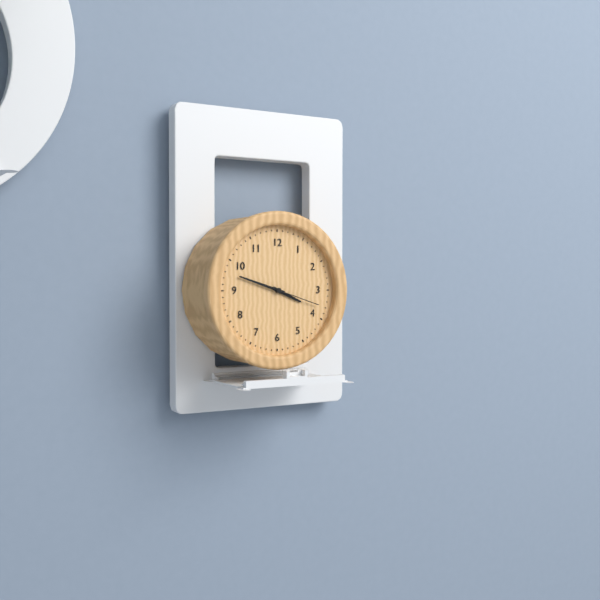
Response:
3h48m18s
